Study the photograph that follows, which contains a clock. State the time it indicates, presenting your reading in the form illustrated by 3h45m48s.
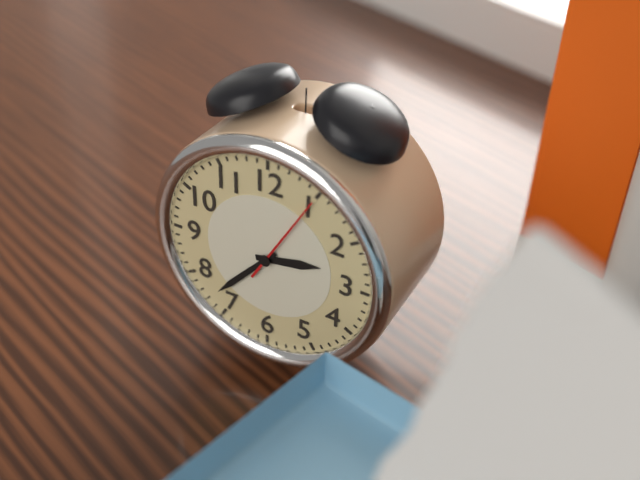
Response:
2h37m05s
